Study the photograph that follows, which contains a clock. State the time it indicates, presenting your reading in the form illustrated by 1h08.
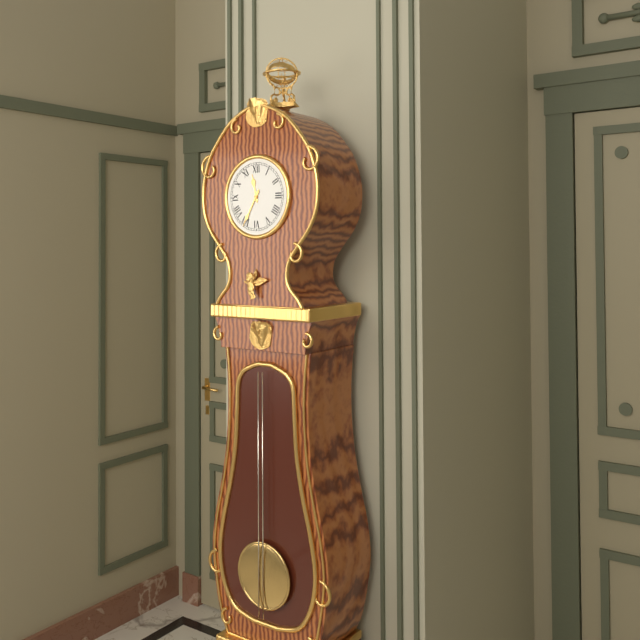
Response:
11h35
